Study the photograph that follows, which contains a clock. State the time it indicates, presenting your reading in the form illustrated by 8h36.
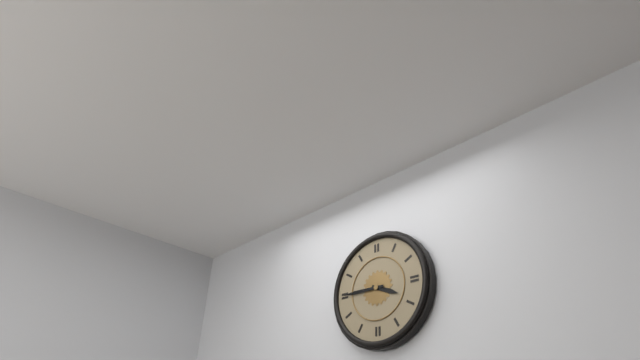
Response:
3h45
